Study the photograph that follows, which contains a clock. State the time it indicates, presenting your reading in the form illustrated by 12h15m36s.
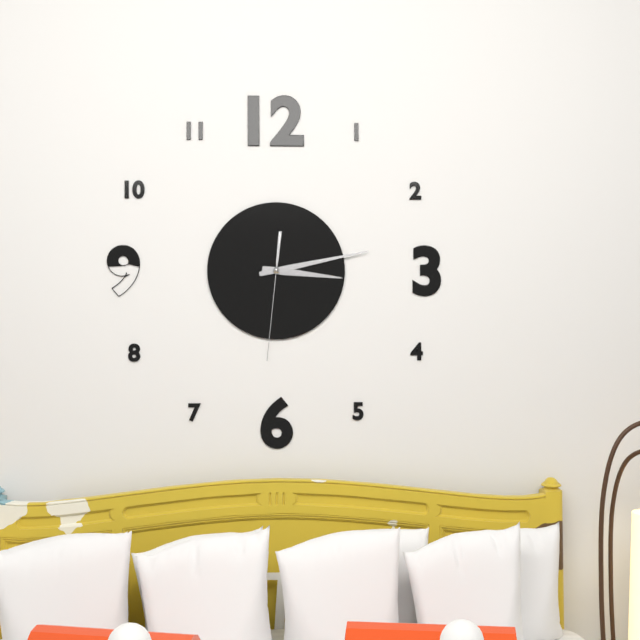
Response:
3h13m31s
